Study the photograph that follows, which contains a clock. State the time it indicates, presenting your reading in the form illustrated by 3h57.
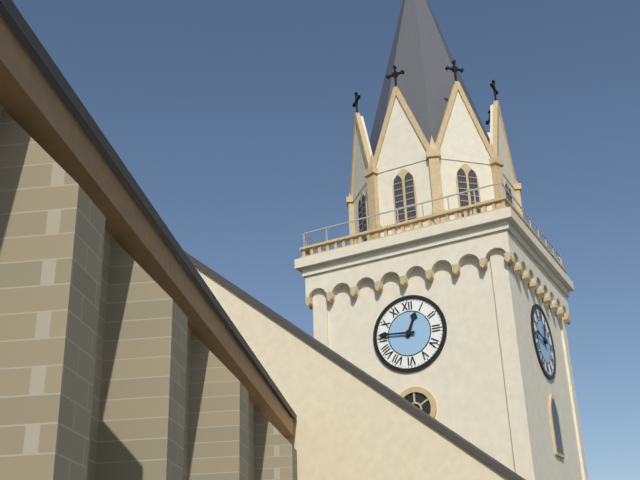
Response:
12h46
